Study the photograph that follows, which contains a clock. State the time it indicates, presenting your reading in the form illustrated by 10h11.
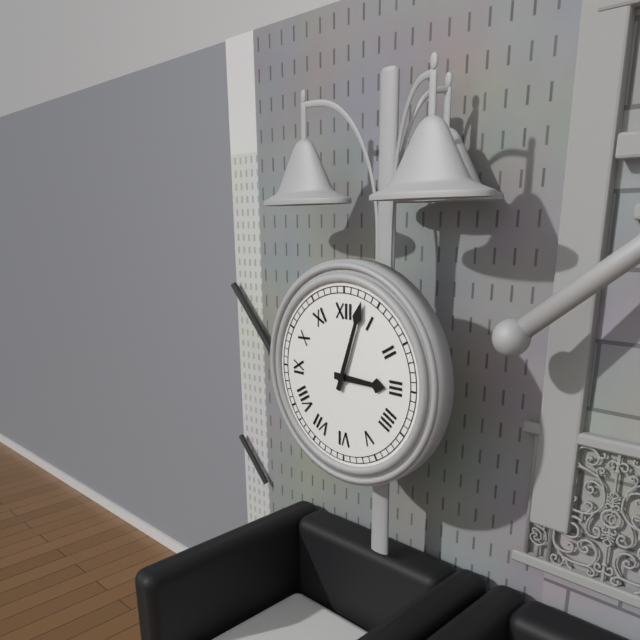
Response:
3h03
